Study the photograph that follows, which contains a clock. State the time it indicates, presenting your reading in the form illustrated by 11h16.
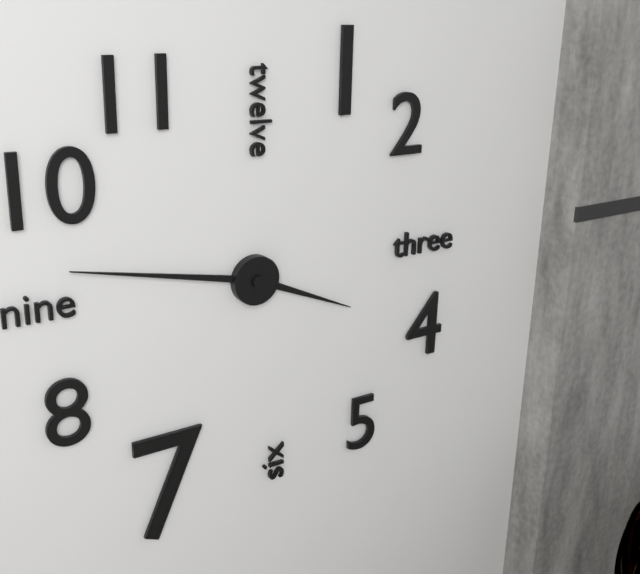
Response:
3h47
